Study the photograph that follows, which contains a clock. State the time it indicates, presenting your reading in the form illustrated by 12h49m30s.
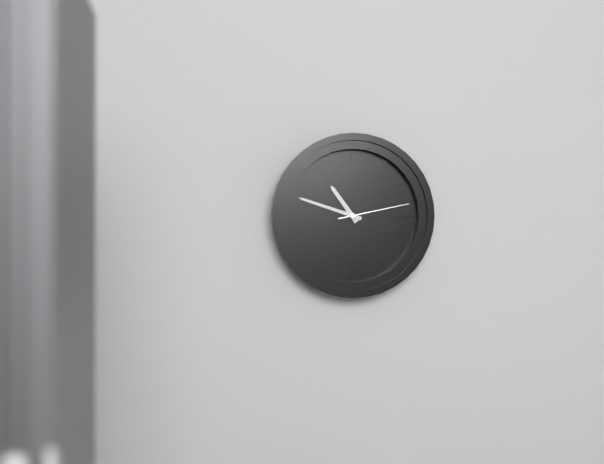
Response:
10h48m13s
